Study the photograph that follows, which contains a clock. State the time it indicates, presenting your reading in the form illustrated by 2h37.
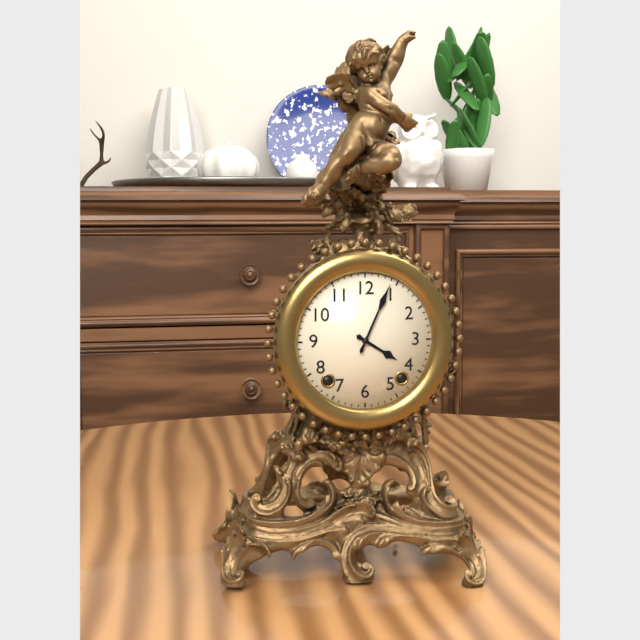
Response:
4h04
